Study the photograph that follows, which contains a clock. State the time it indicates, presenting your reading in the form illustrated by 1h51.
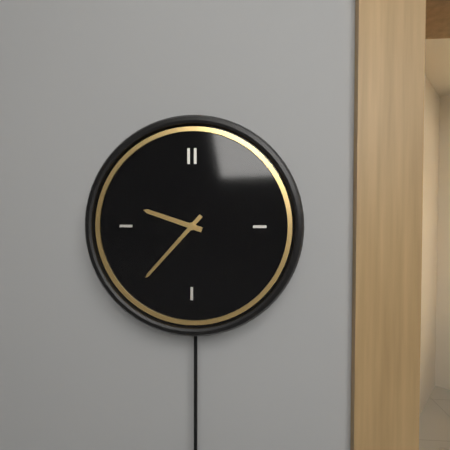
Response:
9h37
